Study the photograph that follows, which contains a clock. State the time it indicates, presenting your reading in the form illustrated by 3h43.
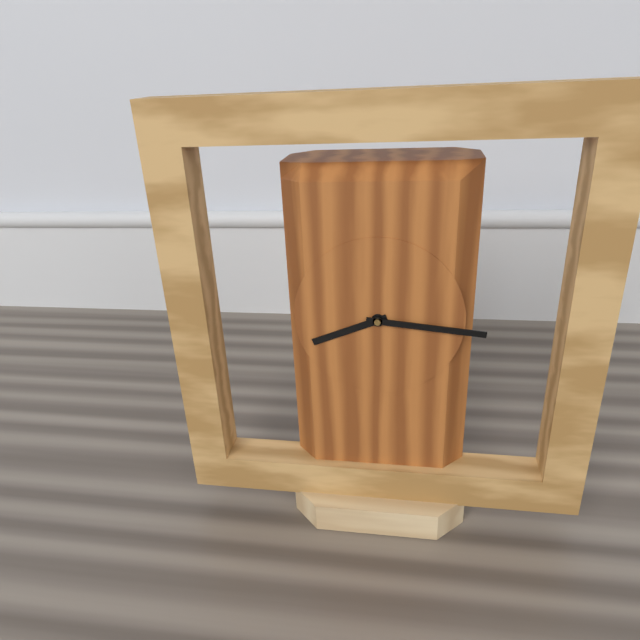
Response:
8h16
